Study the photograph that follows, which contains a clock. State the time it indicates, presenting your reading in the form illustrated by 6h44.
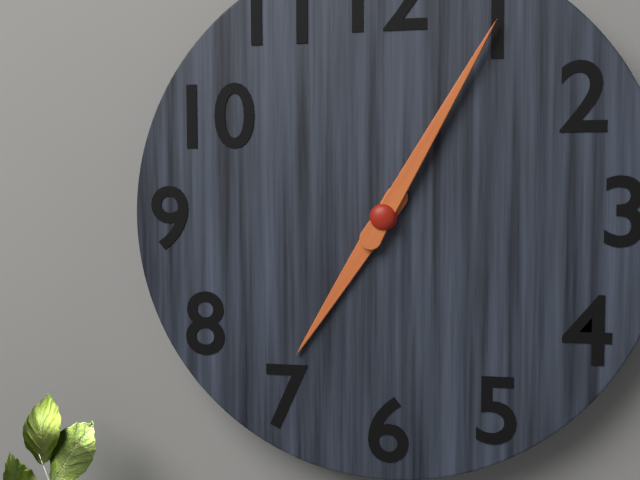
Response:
7h05
